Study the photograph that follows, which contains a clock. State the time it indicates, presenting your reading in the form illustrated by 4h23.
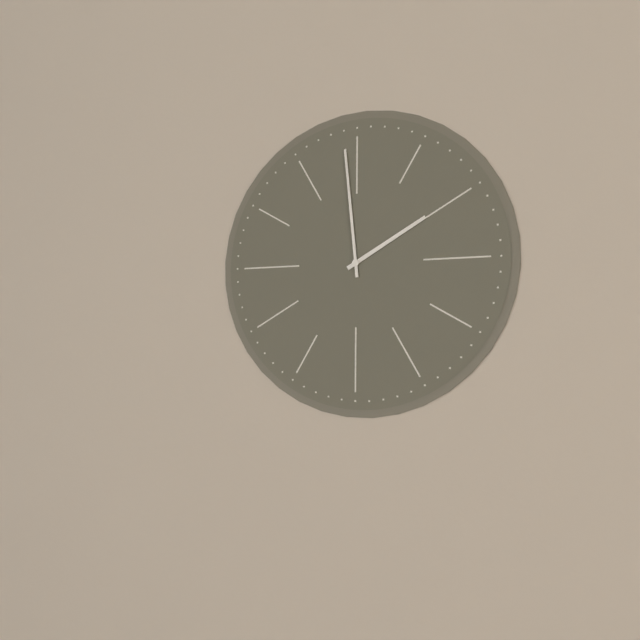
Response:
1h59
